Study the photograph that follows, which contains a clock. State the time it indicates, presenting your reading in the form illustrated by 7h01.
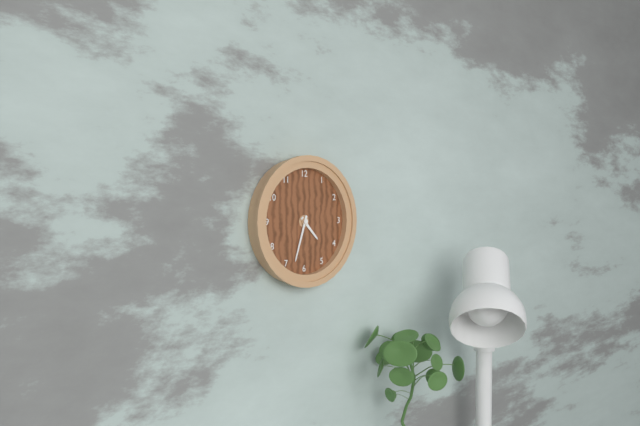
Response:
4h33
